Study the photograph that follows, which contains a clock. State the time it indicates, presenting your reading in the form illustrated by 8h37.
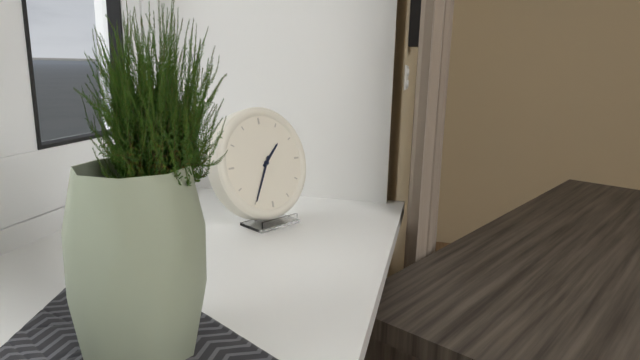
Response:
1h35
